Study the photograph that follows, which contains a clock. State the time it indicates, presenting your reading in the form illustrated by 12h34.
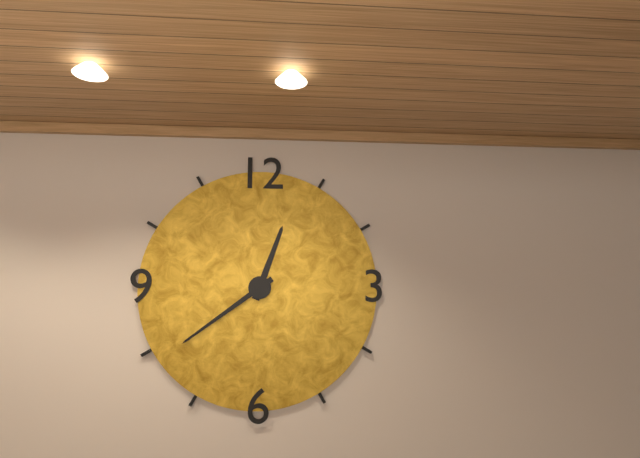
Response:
12h39
